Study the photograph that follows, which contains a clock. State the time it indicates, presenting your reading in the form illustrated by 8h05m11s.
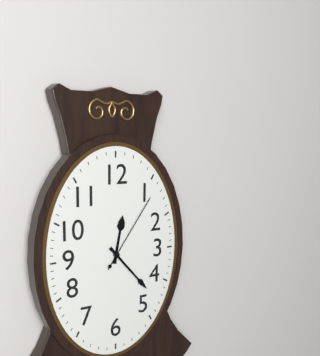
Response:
12h23m06s
